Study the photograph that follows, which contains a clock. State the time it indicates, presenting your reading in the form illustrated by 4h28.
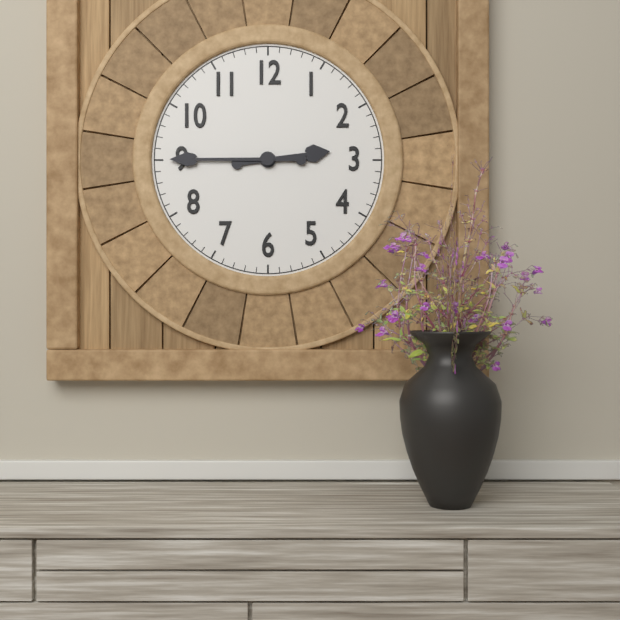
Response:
2h45
